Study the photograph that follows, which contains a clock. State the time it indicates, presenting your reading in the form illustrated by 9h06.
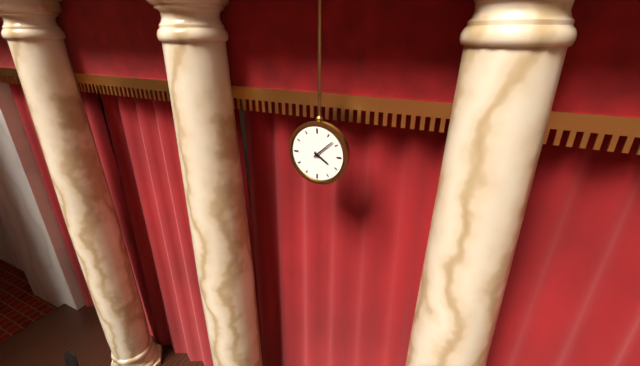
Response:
4h08
